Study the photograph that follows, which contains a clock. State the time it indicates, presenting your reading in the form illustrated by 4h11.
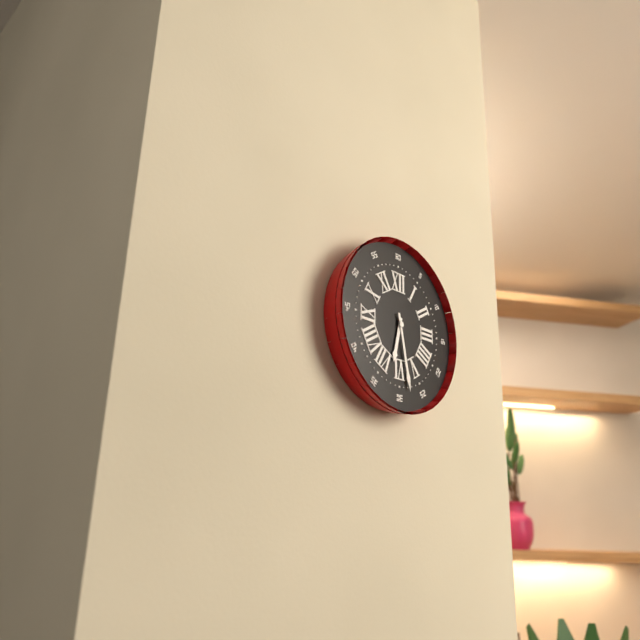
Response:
6h28
